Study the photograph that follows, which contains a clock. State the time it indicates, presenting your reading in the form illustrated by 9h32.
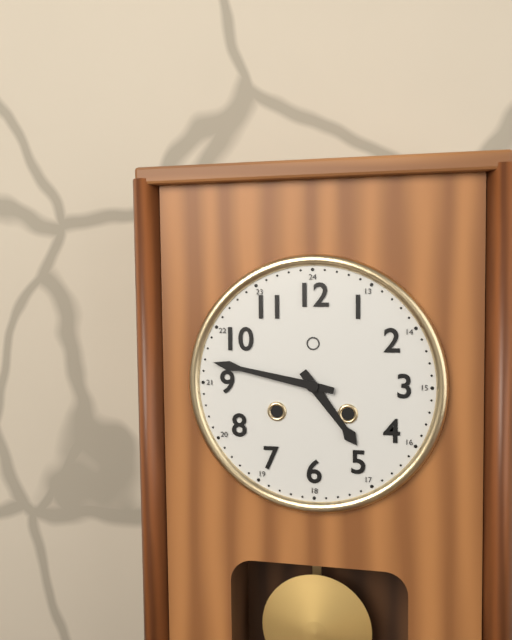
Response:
4h47
